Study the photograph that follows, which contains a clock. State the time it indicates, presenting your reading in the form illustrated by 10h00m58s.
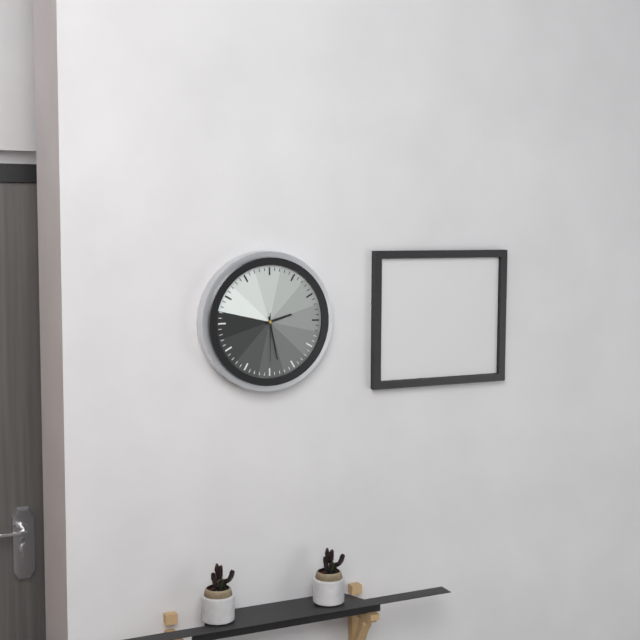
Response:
2h28m30s
